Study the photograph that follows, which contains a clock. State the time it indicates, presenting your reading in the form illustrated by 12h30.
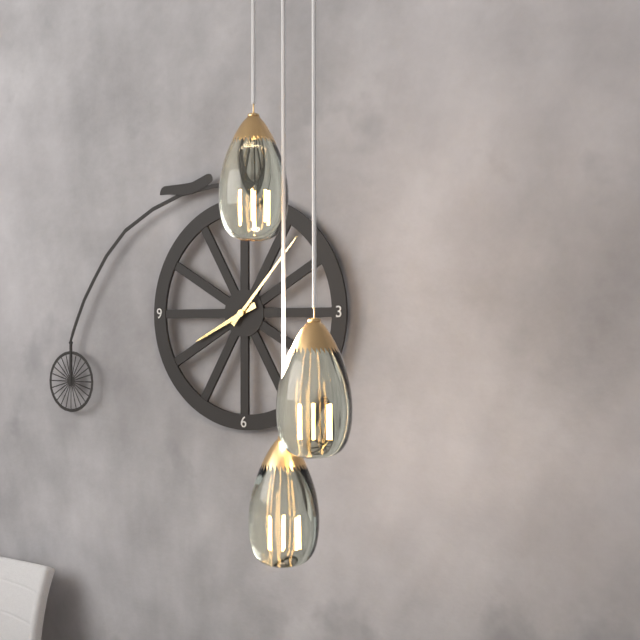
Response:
8h07
